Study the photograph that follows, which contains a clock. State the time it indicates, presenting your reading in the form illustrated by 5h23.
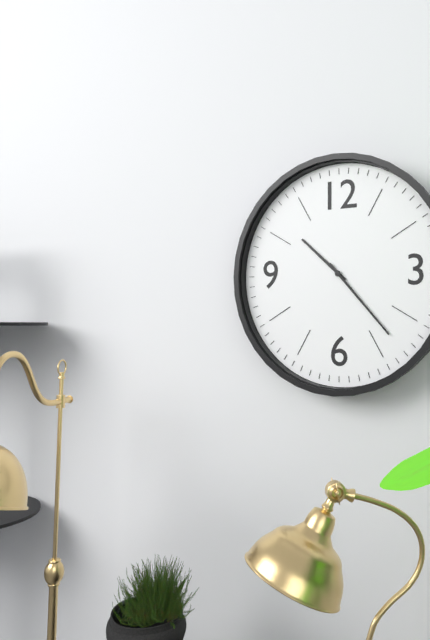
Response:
10h23
